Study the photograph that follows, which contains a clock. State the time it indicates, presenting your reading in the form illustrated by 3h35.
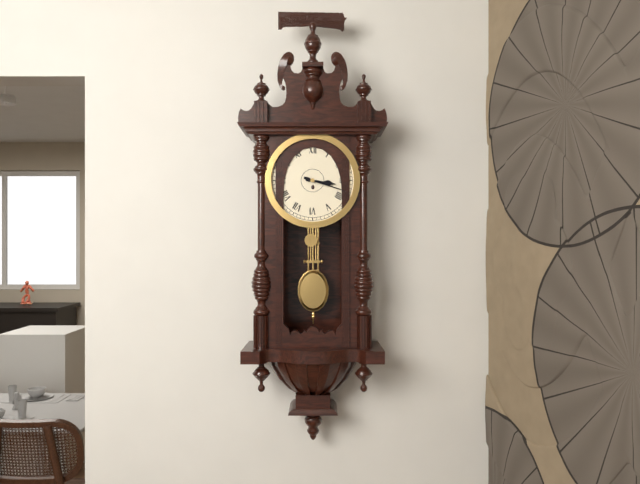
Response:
3h18
